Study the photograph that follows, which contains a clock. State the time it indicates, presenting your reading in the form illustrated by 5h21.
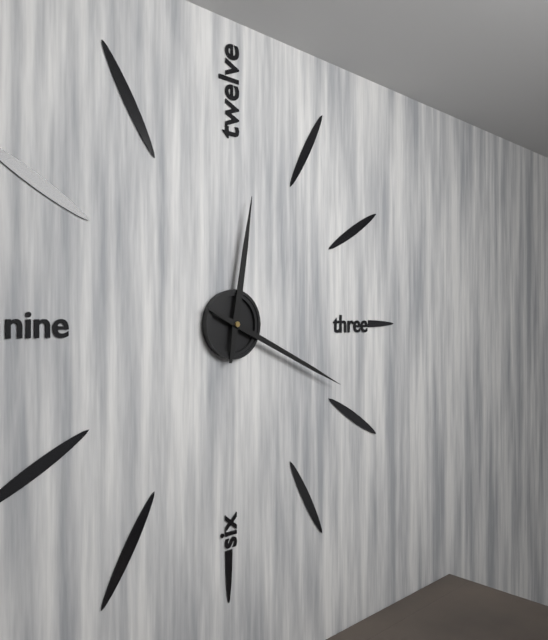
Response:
12h19
